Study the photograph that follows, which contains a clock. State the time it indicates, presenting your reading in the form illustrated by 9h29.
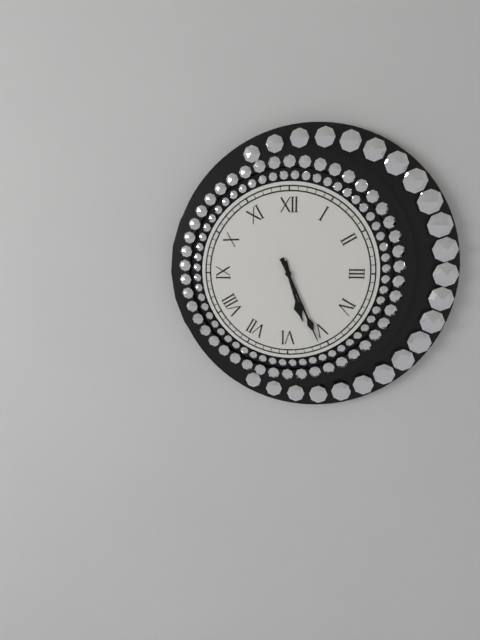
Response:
5h26
